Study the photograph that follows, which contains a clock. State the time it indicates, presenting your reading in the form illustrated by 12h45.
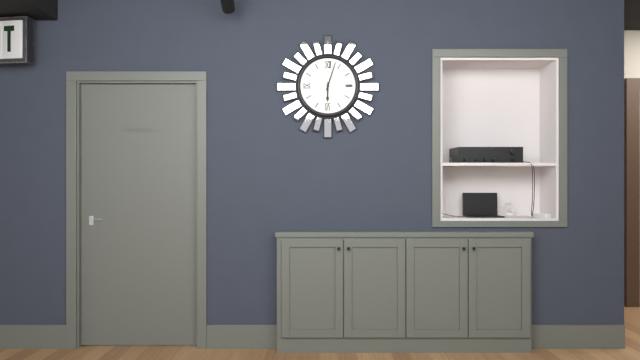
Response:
6h03
